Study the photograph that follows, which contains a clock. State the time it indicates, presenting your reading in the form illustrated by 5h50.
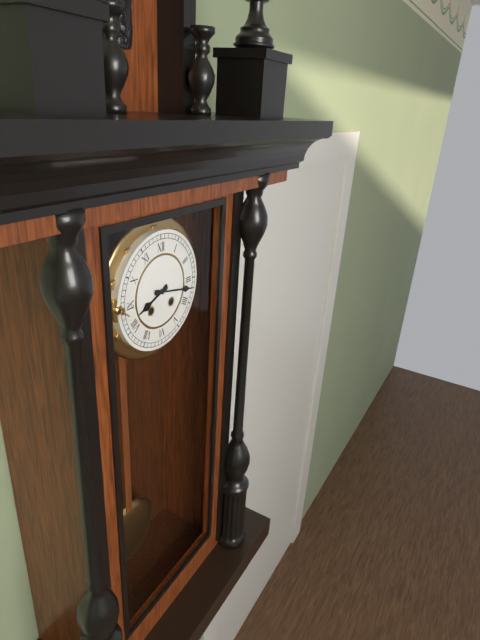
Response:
8h17
